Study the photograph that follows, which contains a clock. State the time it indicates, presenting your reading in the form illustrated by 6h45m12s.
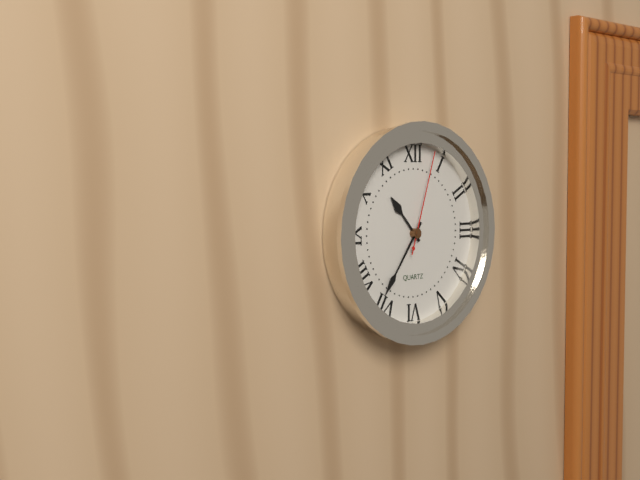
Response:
10h36m03s
